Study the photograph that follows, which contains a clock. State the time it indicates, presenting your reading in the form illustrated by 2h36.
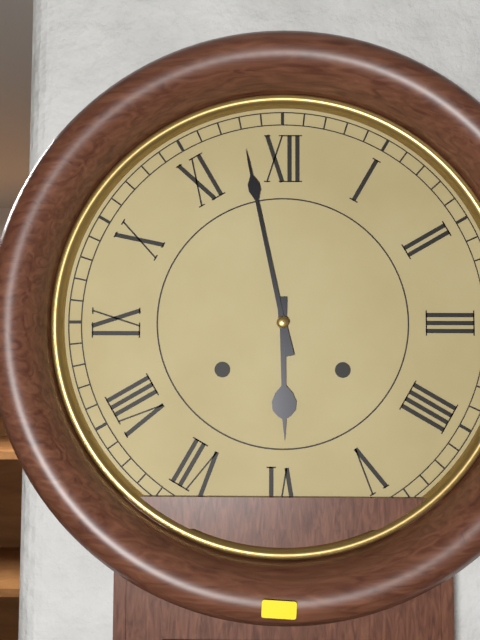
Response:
5h58
